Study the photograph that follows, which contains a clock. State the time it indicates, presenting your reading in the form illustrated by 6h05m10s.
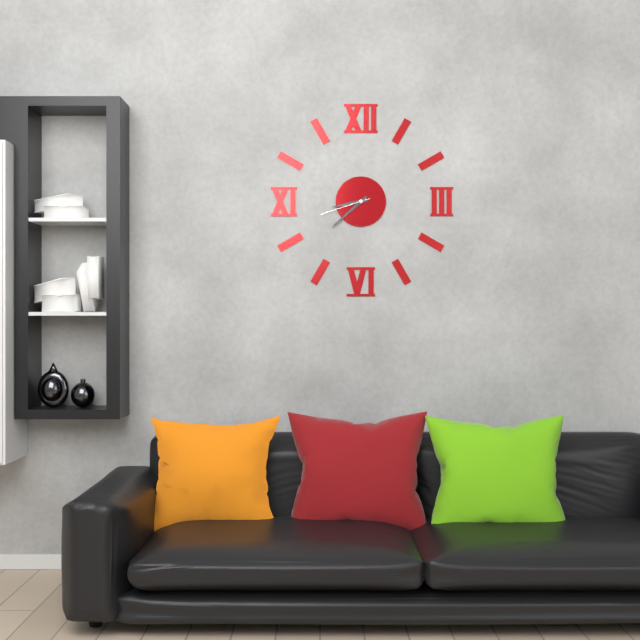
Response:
8h38m42s
